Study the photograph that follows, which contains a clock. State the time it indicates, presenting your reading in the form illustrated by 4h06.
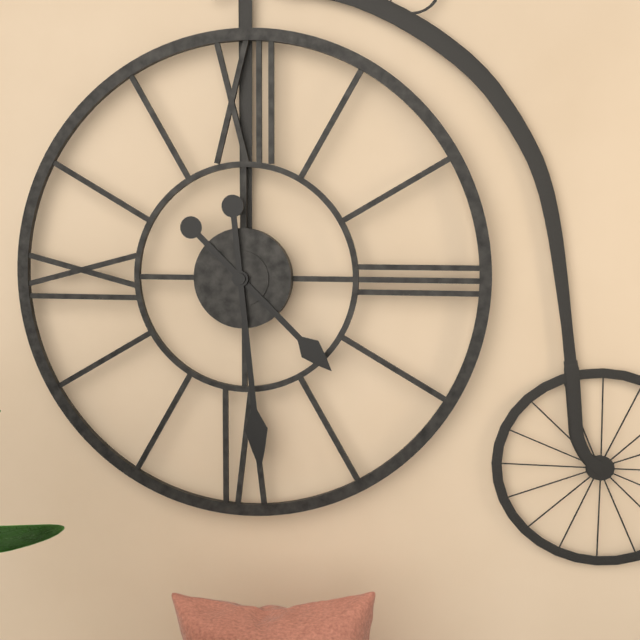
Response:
4h29
